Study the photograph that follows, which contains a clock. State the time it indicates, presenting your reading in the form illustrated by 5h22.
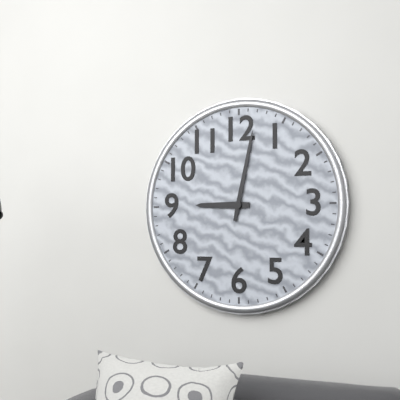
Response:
9h02
